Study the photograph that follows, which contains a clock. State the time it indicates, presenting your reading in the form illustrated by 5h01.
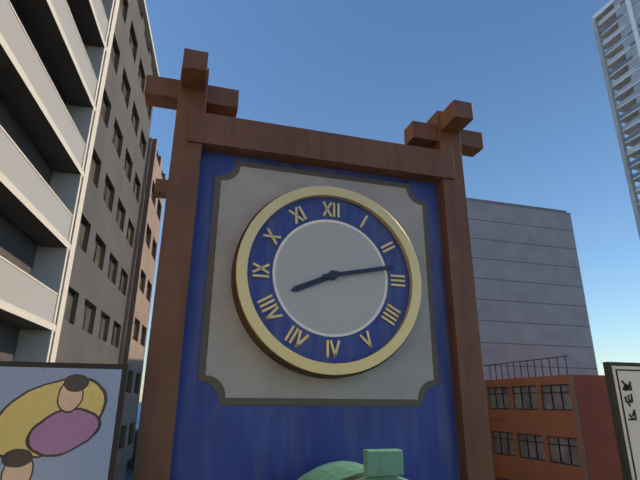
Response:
8h13
